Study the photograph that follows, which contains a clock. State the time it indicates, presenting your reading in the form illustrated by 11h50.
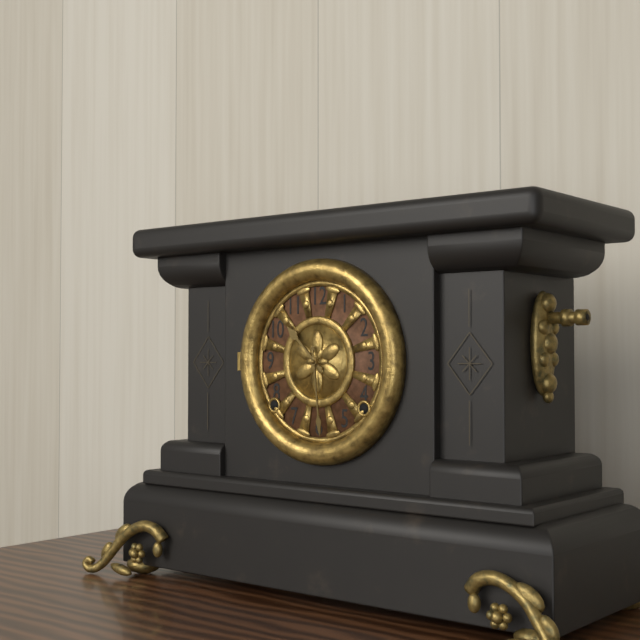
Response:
10h29
